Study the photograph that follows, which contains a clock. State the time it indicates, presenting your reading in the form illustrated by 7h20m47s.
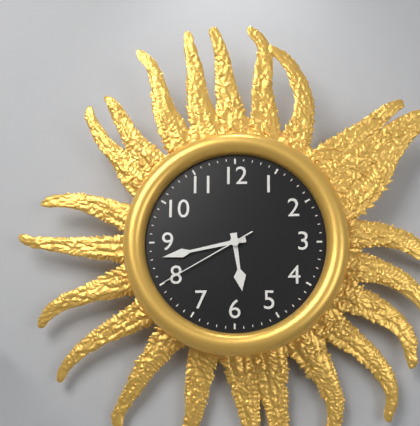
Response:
5h43m40s
